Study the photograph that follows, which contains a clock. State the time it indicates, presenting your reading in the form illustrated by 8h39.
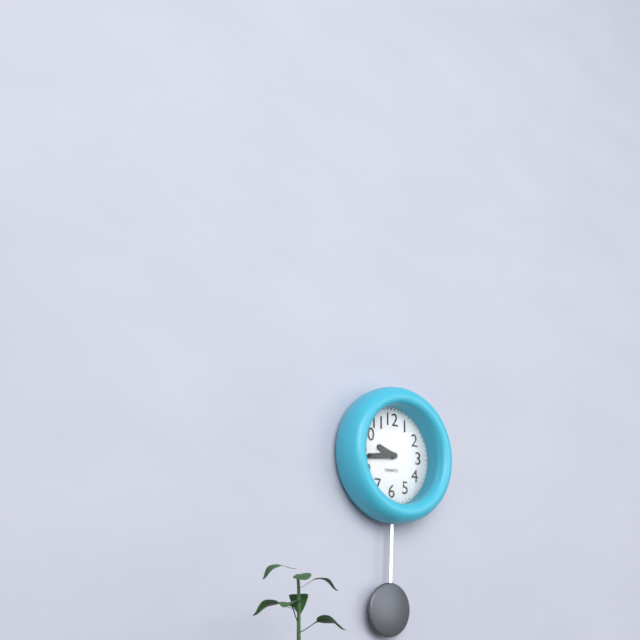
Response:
9h44
